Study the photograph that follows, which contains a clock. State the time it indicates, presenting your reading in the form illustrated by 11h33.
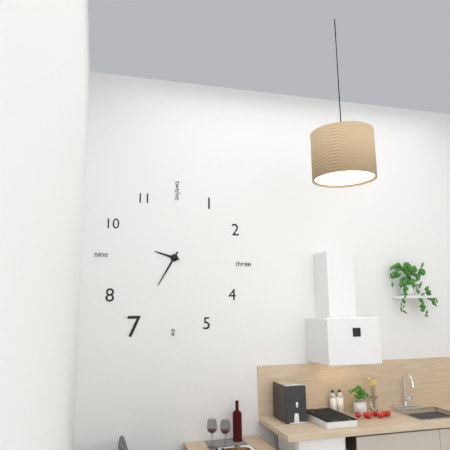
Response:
9h35
